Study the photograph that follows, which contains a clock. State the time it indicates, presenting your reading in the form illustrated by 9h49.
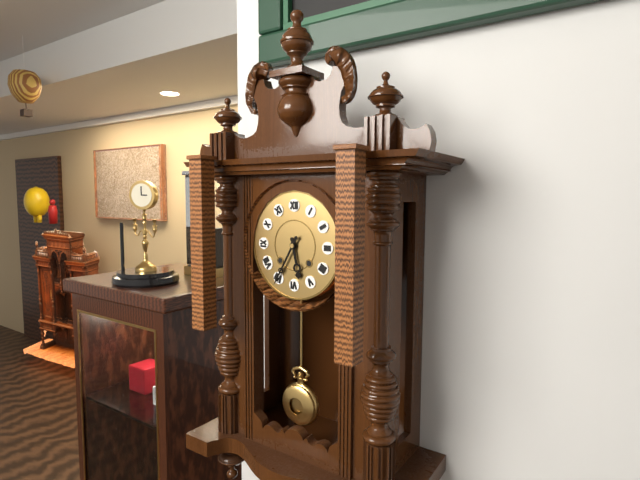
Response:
5h35
